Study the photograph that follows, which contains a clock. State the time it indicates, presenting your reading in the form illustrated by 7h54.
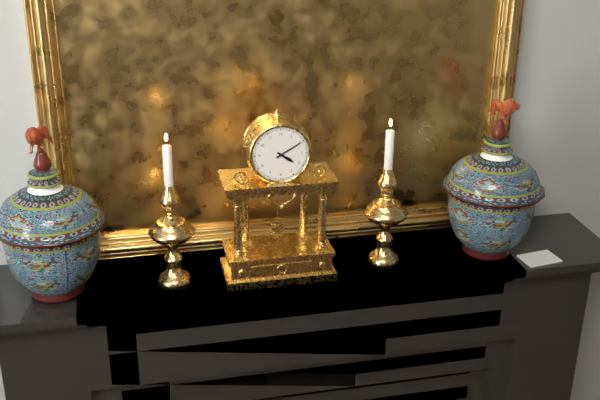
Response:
4h10
